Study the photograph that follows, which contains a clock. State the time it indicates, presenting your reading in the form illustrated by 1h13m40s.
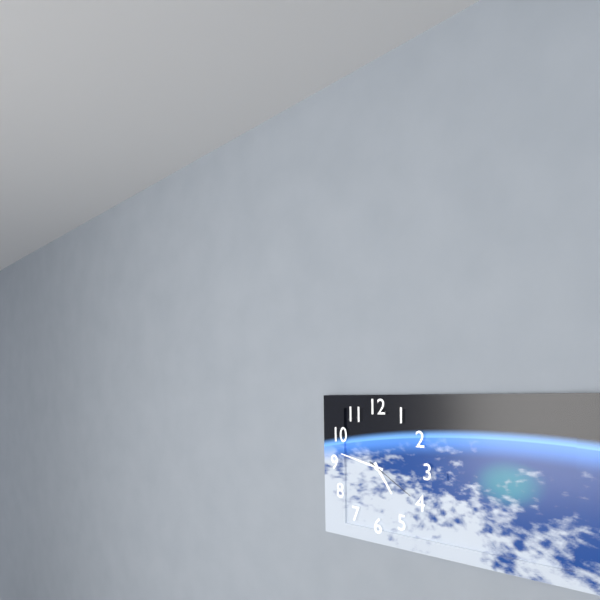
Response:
4h47m20s
